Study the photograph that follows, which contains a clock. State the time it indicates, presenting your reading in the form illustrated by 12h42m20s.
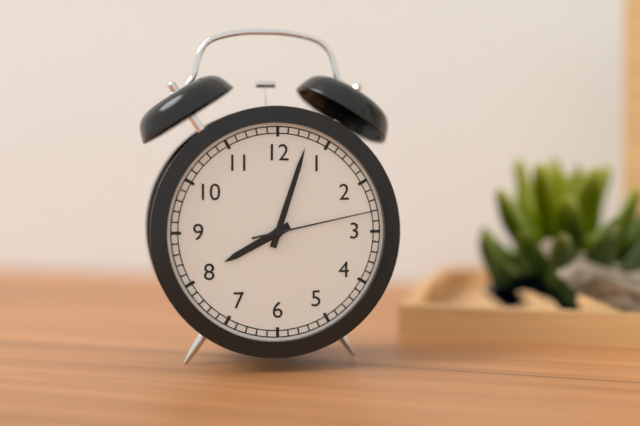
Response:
8h03m13s
